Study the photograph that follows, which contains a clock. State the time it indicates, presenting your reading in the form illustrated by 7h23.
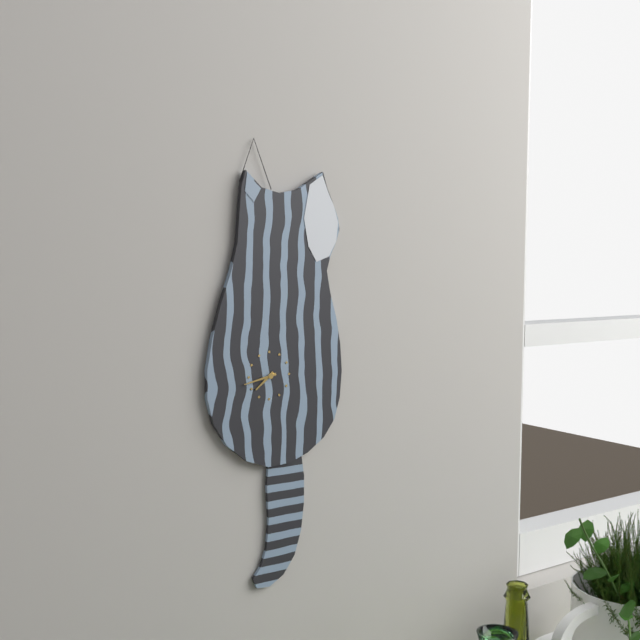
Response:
7h43
